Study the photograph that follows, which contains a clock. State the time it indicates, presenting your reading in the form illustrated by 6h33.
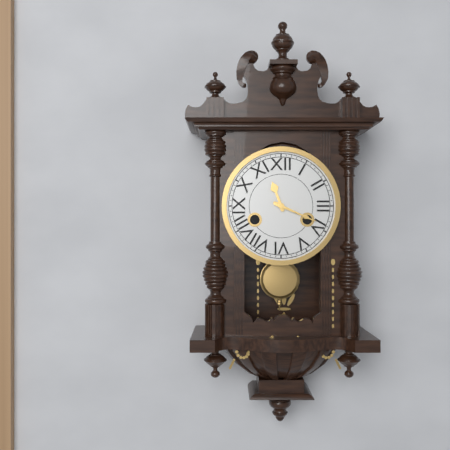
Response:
11h19
